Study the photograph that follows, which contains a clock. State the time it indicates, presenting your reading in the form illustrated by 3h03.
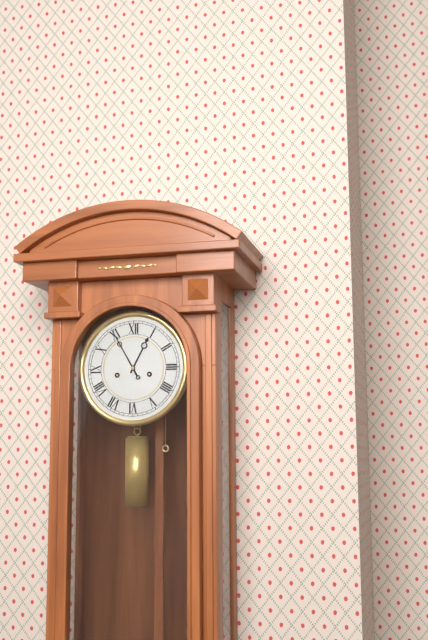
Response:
12h55
